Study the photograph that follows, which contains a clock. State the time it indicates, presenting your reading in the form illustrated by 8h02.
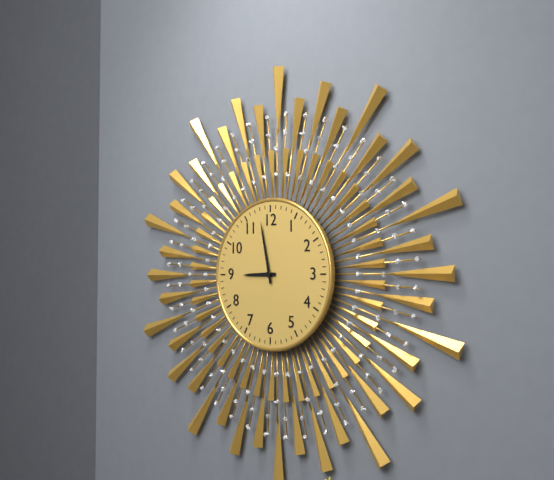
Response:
8h58
